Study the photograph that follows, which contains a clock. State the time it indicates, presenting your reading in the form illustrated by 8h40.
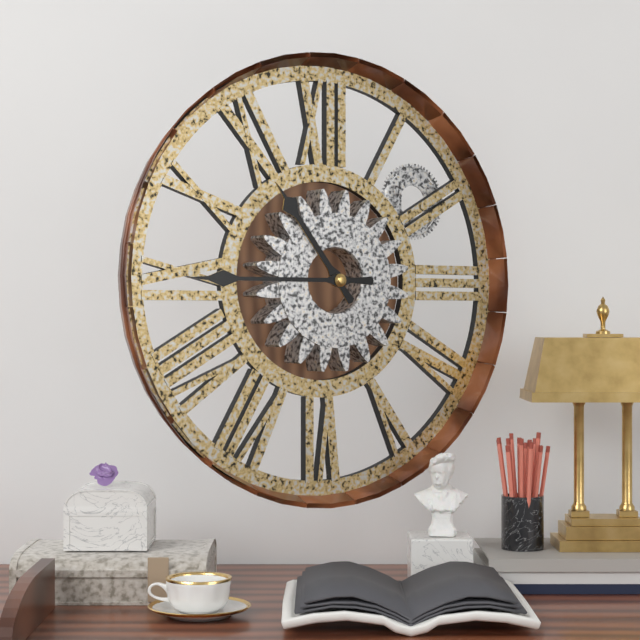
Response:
10h45
